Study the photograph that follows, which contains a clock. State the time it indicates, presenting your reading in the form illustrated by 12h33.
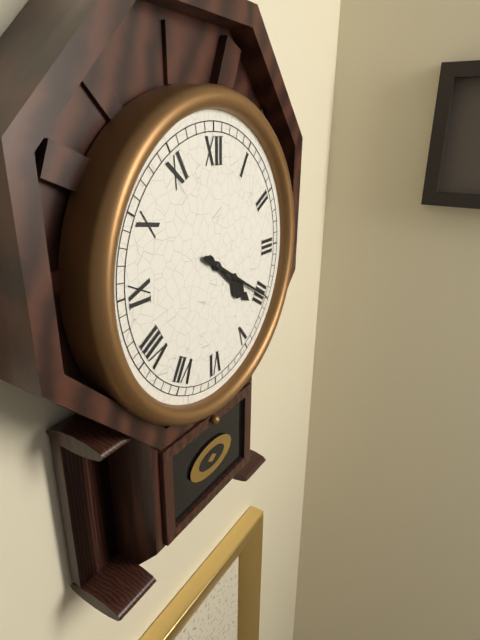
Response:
4h20
